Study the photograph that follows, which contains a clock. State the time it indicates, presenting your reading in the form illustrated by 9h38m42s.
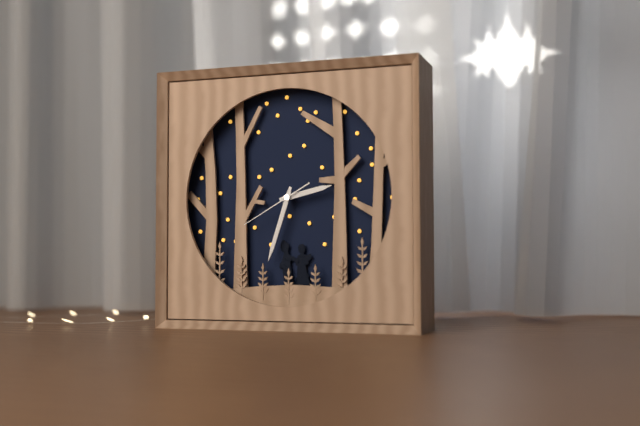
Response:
2h33m40s
